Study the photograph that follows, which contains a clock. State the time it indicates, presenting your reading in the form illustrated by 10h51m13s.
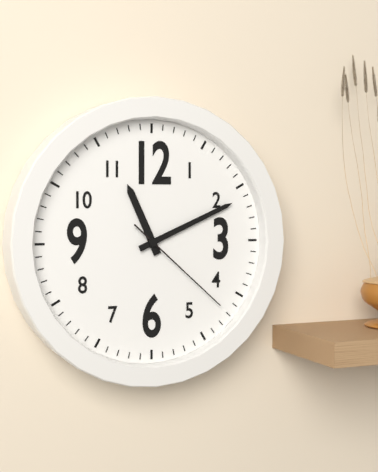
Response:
11h11m22s
